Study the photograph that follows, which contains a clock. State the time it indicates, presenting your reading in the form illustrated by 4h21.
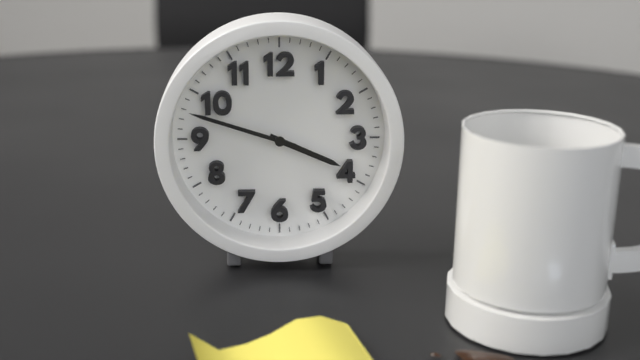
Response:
3h48
